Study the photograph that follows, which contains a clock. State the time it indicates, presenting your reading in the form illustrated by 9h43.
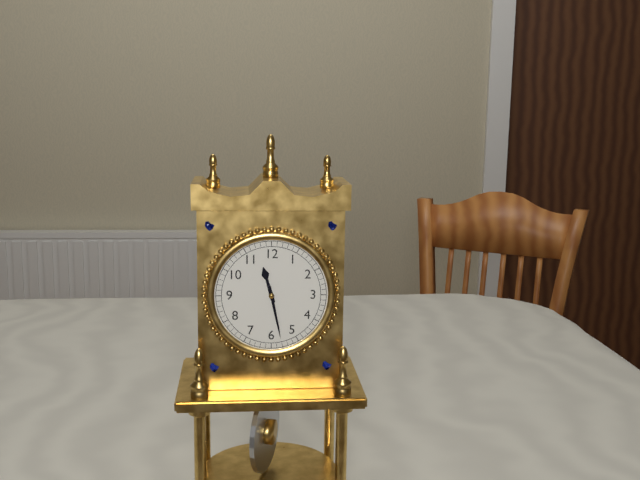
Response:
11h28
